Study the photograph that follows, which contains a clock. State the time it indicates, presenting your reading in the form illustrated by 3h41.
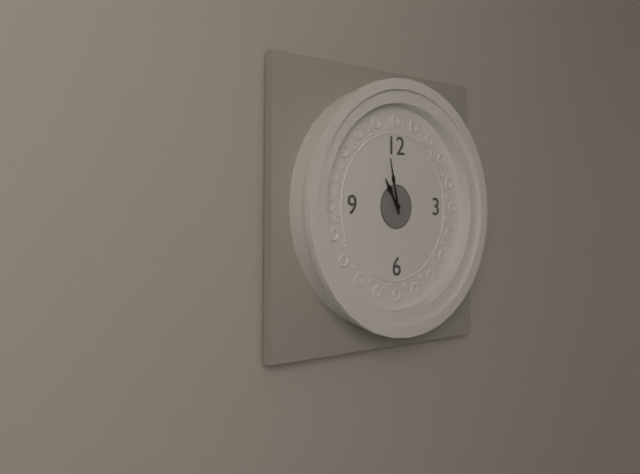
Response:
10h58
